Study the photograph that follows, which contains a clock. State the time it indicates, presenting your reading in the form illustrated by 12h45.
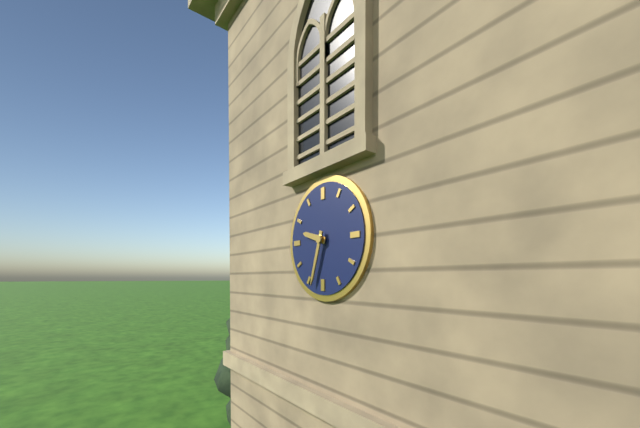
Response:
9h33
